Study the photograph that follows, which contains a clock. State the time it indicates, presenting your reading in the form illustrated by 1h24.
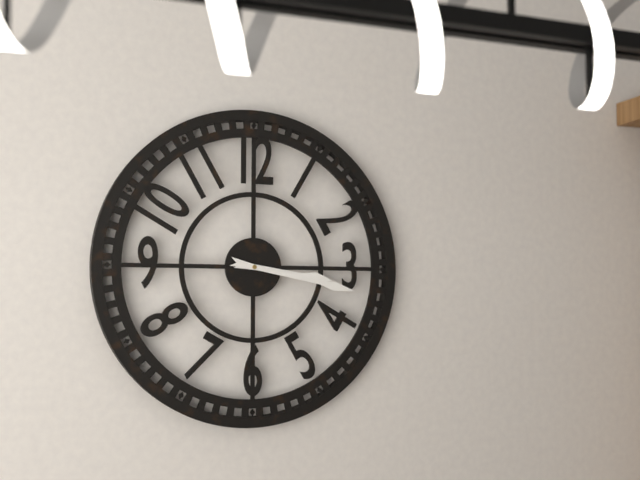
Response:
3h17
